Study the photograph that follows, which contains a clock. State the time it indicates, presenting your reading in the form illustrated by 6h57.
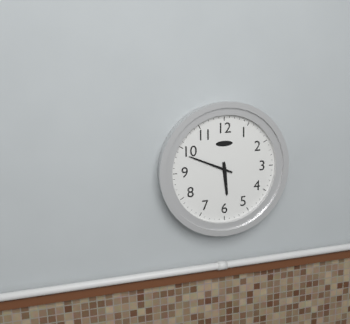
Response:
5h49
